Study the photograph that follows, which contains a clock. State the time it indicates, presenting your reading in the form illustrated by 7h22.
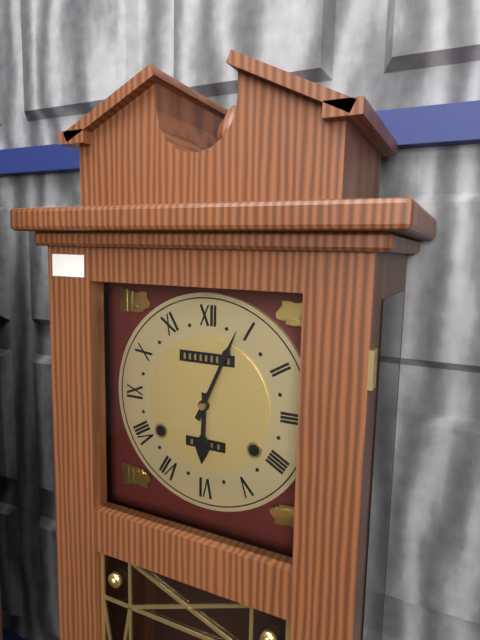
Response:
6h04
